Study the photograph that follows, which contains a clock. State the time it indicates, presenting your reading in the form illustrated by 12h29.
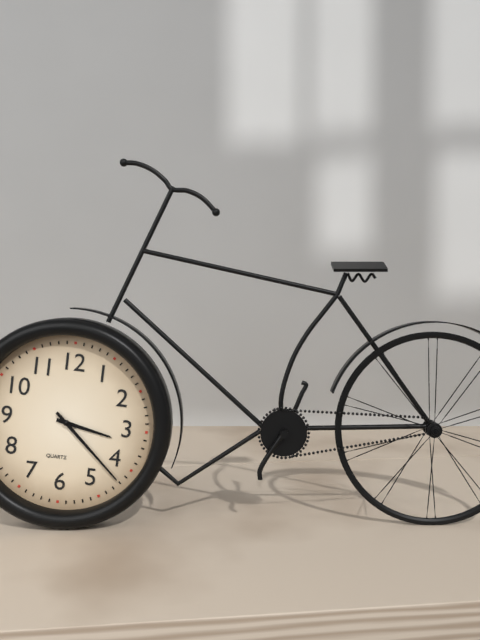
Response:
3h22
